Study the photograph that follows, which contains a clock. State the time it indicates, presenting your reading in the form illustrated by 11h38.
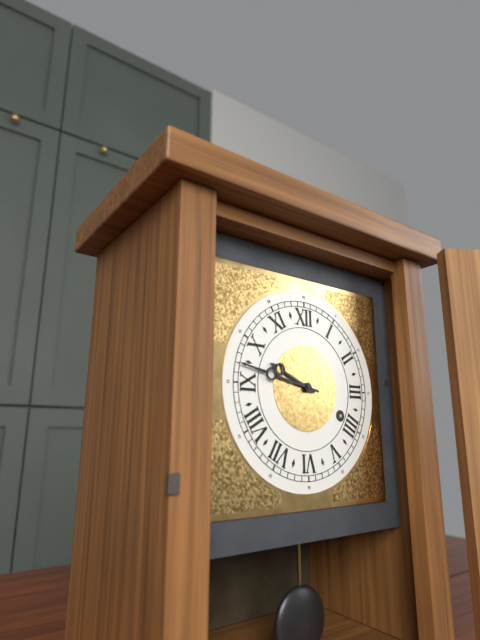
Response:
9h47
